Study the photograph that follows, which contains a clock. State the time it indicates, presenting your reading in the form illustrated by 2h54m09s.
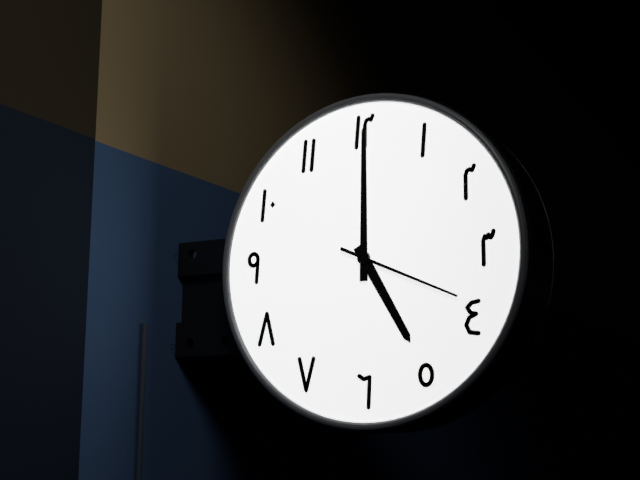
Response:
5h00m19s
